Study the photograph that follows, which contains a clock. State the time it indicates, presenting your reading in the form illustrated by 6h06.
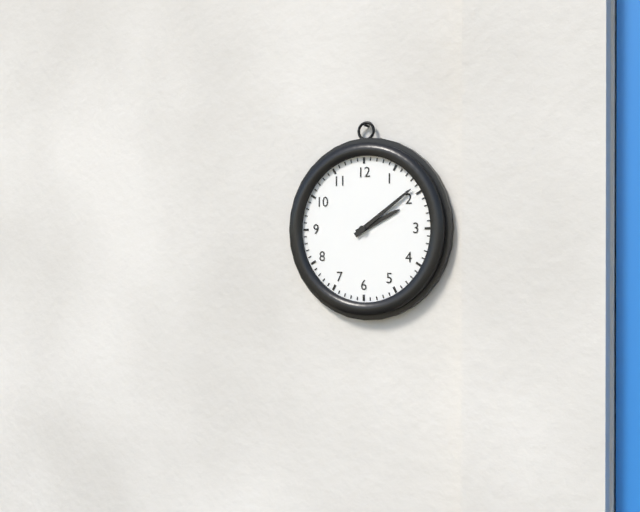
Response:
2h09
